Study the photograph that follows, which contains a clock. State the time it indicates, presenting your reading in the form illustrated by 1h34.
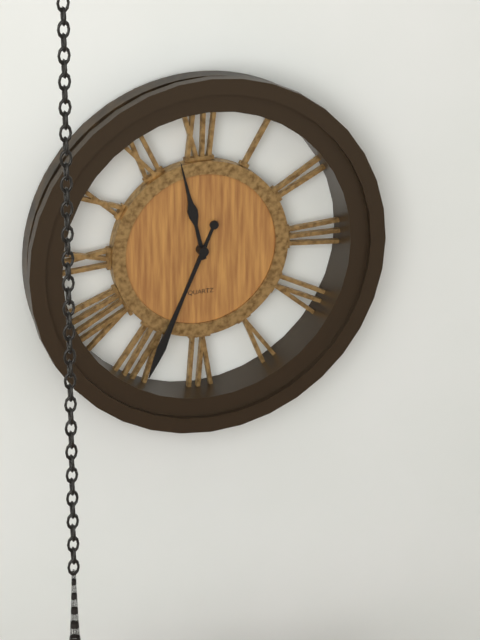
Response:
11h34
